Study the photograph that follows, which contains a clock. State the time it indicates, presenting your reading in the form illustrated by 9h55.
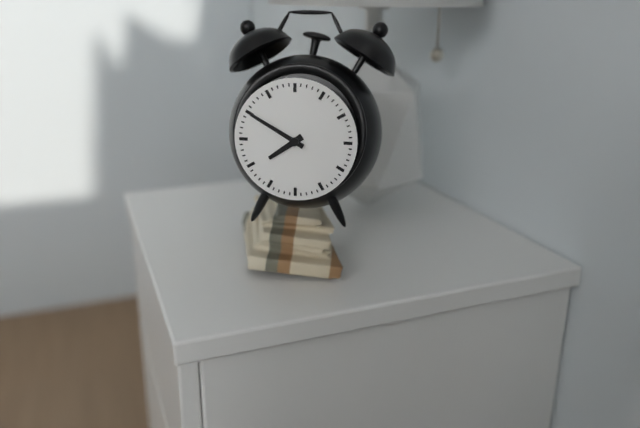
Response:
7h50
